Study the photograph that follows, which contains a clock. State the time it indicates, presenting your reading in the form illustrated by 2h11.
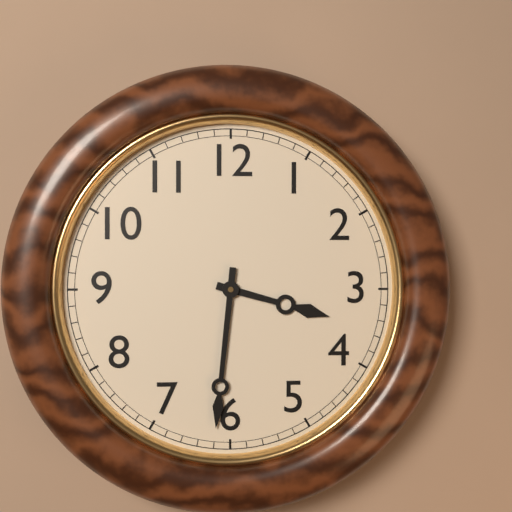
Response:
3h31
